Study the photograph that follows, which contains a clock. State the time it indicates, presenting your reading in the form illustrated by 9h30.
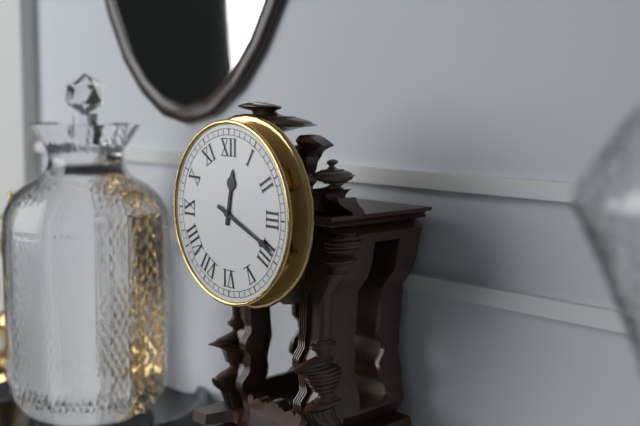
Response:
12h19
